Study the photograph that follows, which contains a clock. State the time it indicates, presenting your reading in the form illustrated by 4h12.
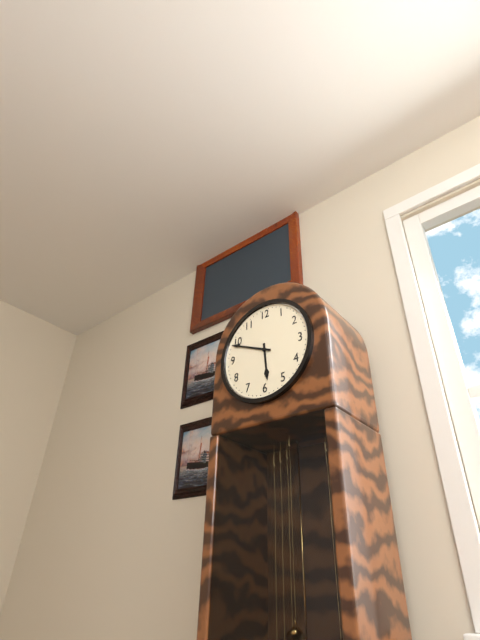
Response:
5h49
